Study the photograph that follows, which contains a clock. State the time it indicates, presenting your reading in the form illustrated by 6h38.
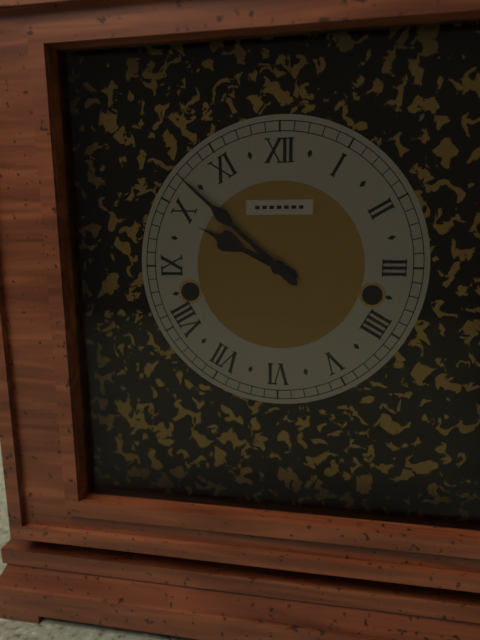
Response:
9h52
